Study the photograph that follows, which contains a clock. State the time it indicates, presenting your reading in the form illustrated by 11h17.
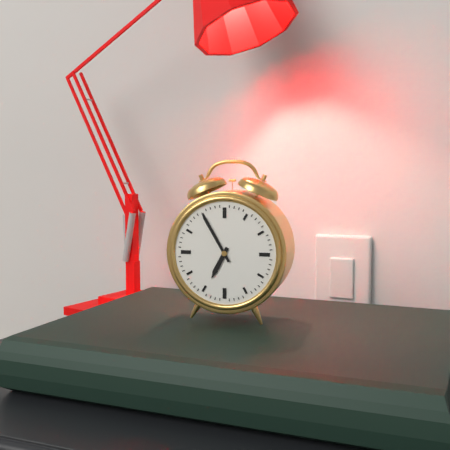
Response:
6h55
